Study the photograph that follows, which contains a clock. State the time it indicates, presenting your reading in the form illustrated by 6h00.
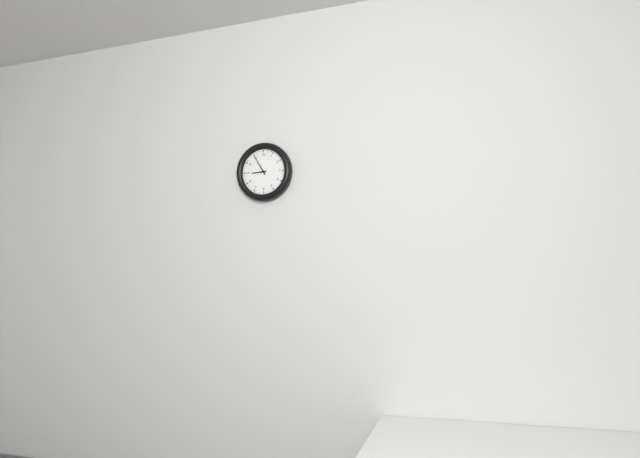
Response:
8h55
